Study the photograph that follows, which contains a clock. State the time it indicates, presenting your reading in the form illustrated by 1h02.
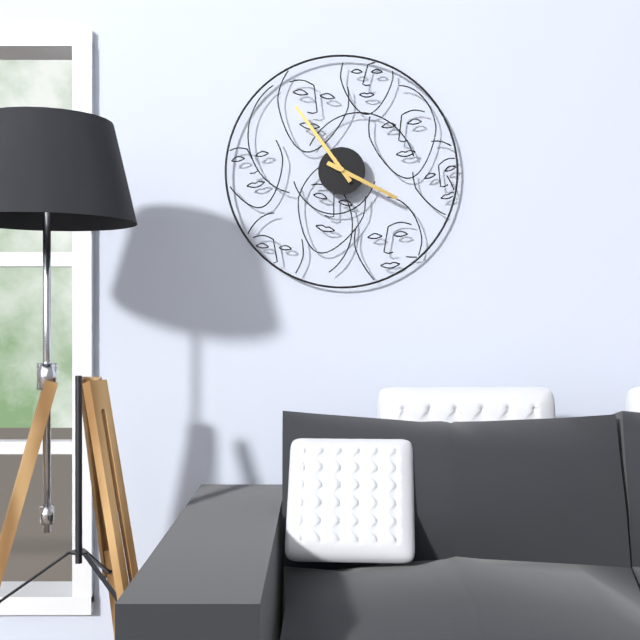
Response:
3h54
